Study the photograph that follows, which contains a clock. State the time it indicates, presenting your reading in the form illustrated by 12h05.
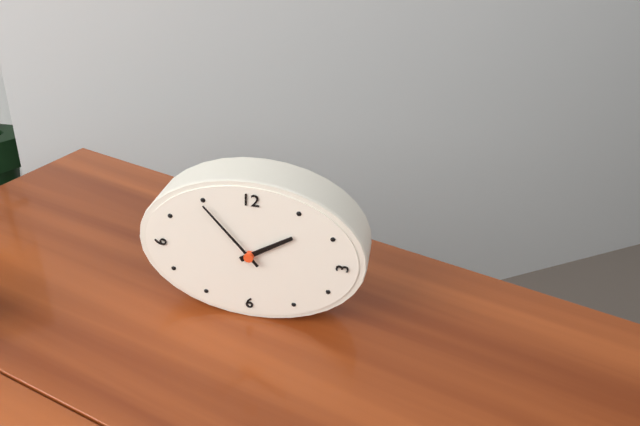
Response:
1h53
